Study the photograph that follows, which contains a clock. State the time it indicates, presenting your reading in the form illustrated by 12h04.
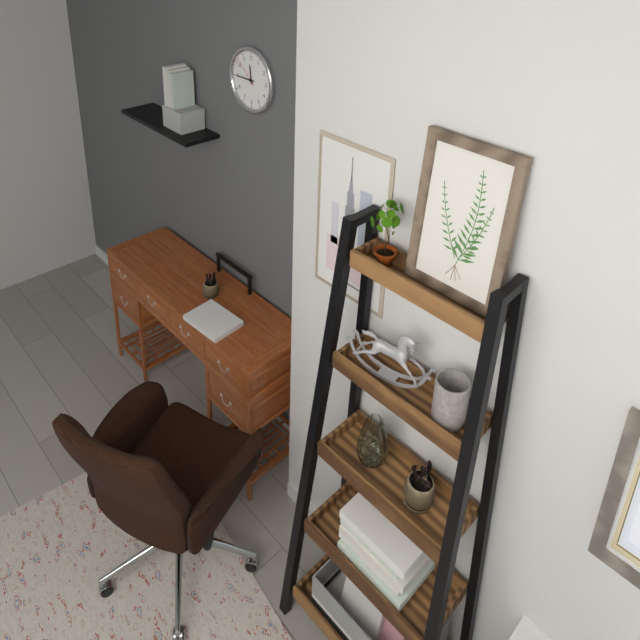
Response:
11h45
